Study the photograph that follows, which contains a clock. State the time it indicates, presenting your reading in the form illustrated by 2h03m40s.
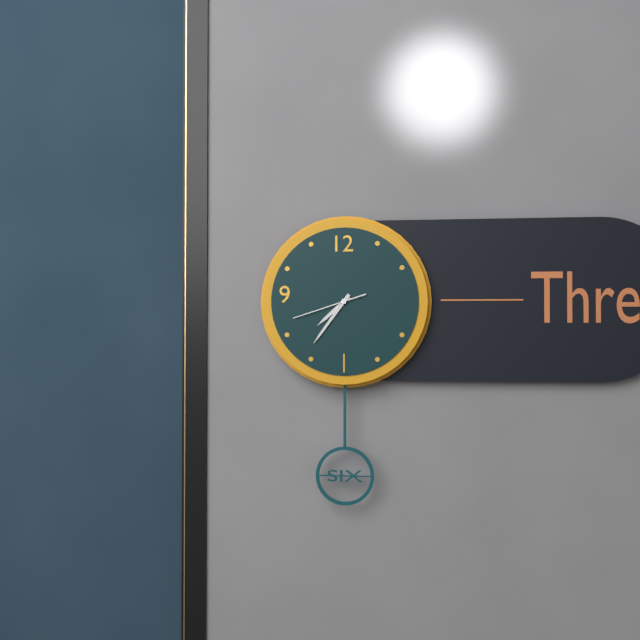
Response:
7h36m42s
